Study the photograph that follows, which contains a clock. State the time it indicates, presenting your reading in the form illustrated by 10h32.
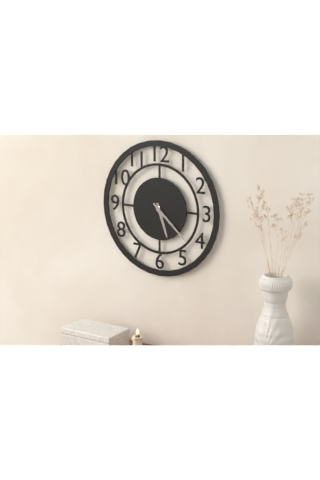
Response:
5h22
